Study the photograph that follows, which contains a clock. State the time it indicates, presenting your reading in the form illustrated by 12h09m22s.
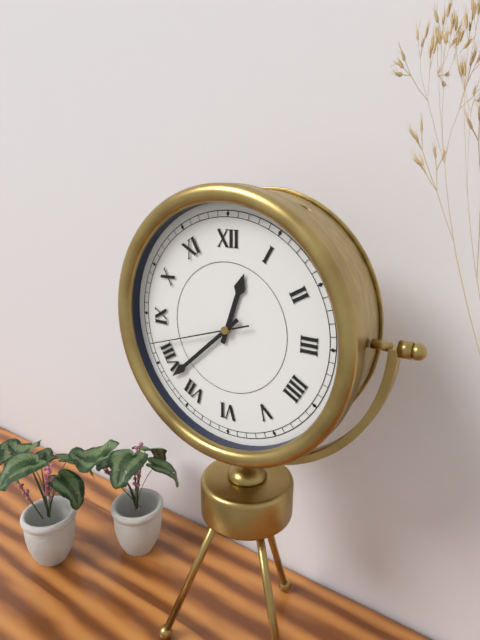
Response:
12h38m42s
